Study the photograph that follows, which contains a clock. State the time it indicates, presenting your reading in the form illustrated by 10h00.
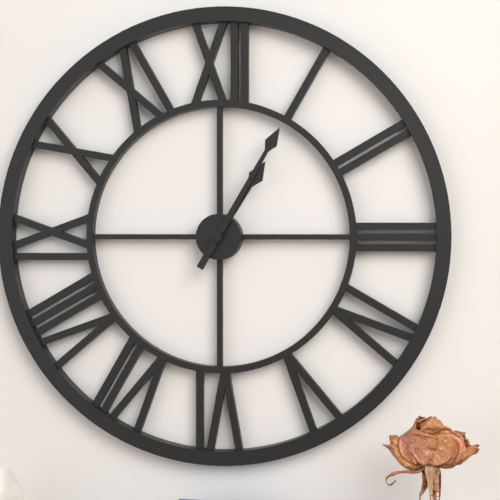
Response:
1h05
